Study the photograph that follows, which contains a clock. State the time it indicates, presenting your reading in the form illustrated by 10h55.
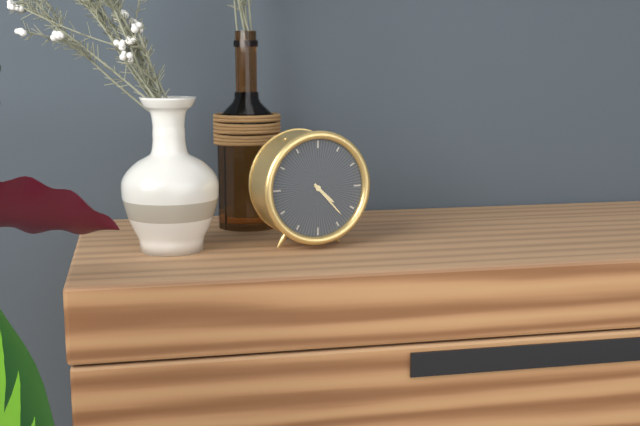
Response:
4h23
